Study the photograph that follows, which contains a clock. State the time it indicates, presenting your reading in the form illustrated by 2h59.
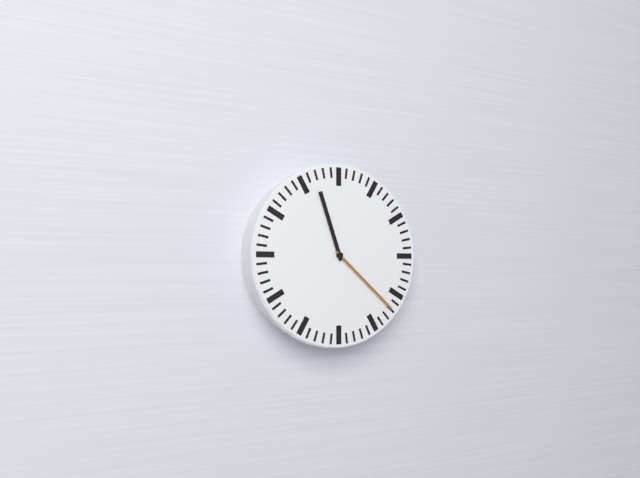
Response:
11h22
